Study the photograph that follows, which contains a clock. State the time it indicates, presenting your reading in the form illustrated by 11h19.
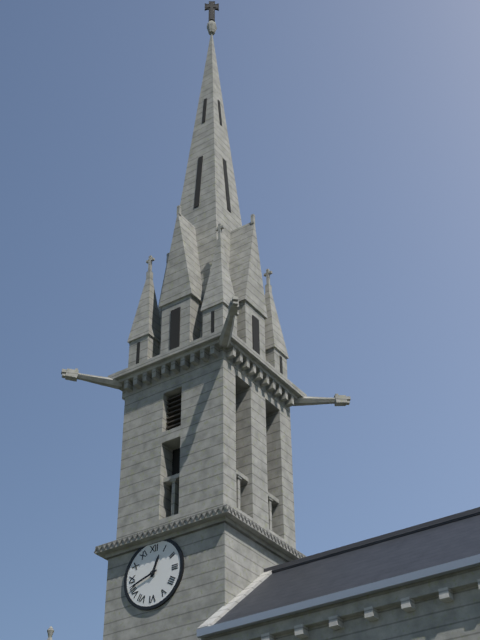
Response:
12h42
